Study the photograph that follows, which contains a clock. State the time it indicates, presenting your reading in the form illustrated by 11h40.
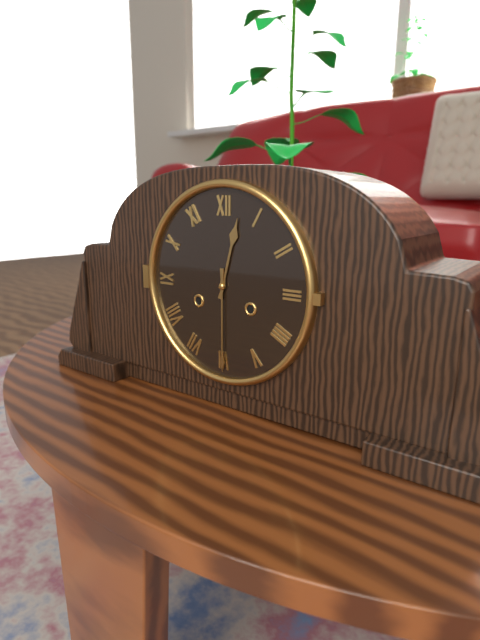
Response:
12h30
